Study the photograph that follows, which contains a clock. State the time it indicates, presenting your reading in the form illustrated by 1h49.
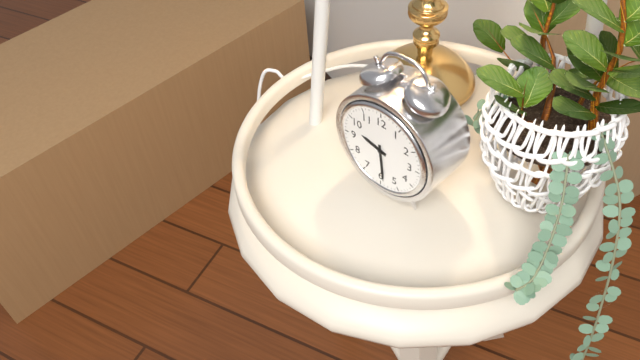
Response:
9h29
